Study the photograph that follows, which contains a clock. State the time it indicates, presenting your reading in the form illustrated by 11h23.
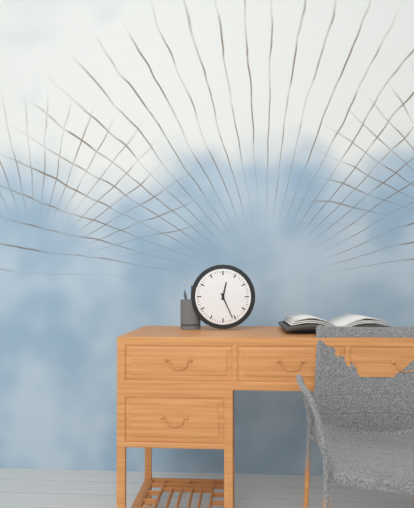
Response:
12h26
